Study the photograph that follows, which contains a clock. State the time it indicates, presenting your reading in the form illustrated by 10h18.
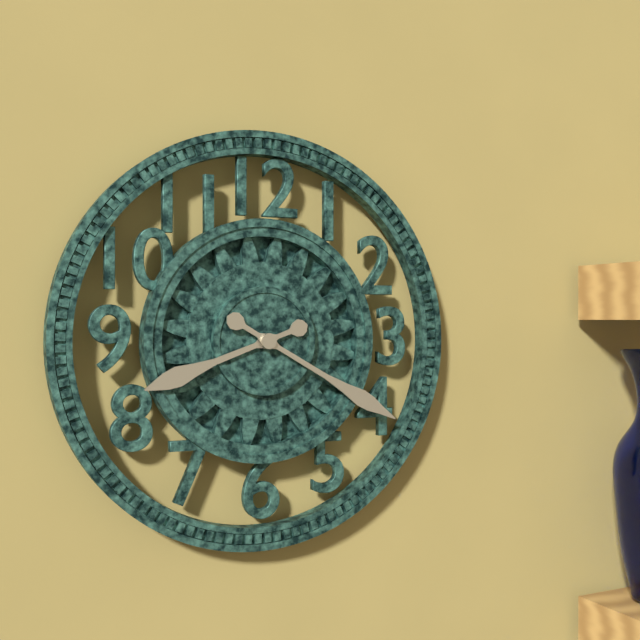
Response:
8h20
